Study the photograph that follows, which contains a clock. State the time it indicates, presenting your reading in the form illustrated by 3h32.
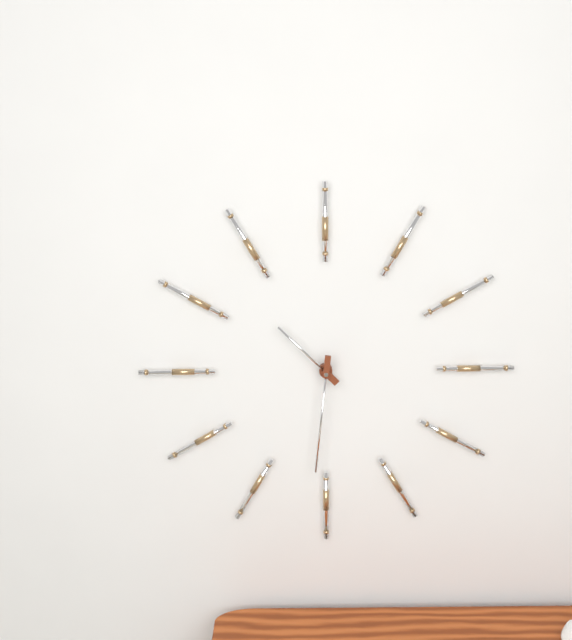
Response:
10h31
